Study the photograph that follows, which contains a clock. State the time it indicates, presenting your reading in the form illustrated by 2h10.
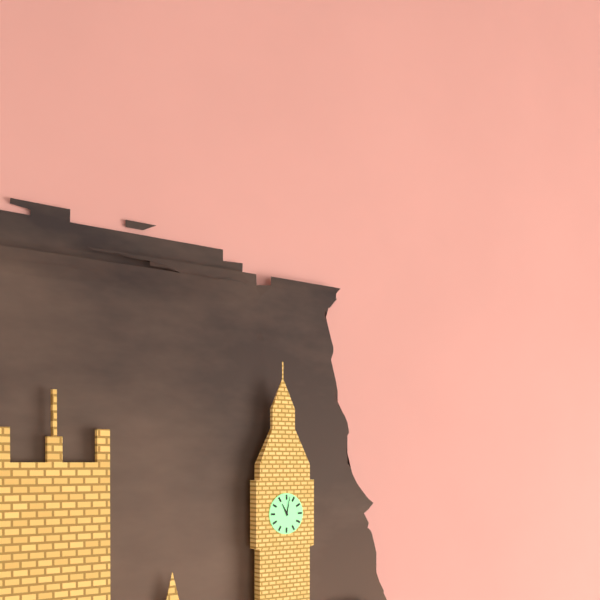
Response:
11h02
